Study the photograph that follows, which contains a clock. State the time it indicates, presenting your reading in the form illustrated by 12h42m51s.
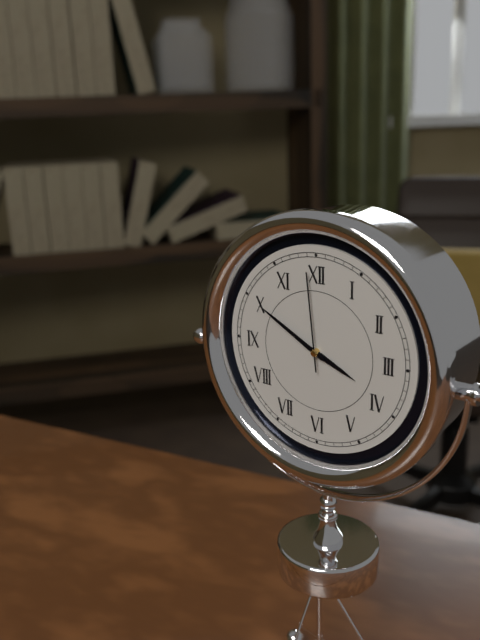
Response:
3h50m59s
